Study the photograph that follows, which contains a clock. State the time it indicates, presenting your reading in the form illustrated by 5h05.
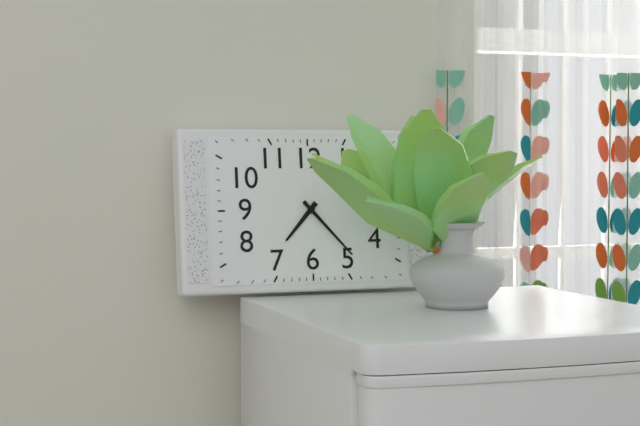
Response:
7h23
